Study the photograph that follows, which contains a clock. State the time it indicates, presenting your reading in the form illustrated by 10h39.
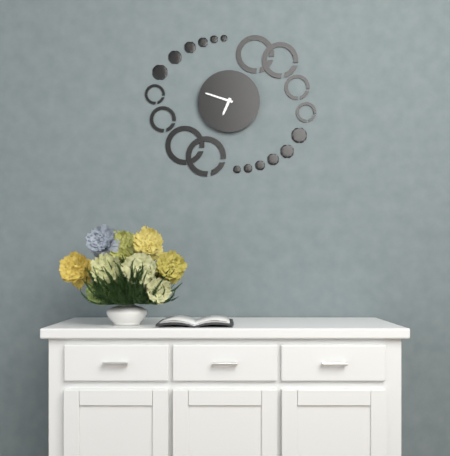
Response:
6h48
